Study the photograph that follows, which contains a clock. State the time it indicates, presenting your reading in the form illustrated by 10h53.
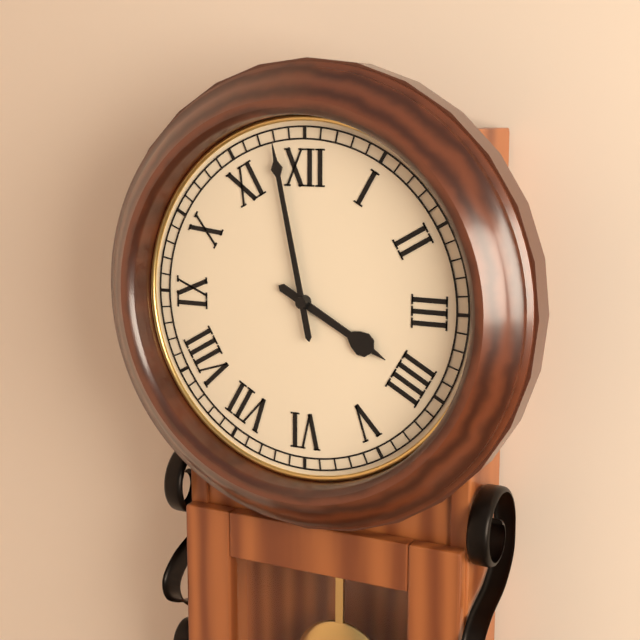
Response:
3h58
